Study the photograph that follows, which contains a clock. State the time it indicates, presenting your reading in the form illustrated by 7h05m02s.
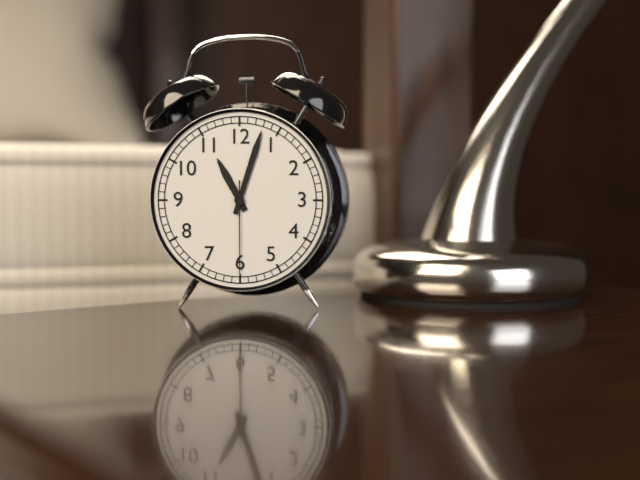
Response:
11h03m30s
